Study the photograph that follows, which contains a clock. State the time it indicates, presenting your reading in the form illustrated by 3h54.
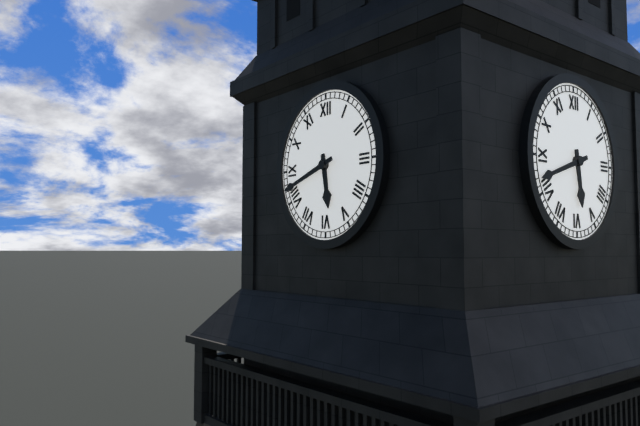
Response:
5h42
